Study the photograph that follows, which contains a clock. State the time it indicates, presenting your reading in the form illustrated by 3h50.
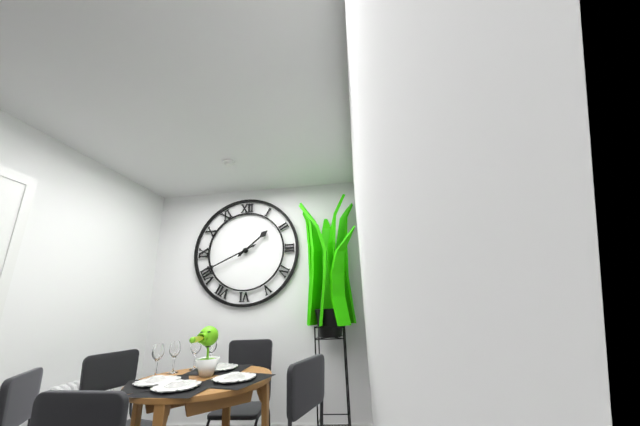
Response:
1h41
